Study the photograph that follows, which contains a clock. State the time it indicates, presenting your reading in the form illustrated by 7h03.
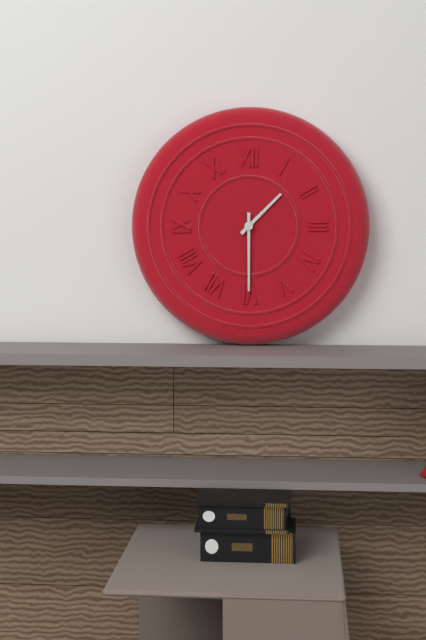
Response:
1h30
